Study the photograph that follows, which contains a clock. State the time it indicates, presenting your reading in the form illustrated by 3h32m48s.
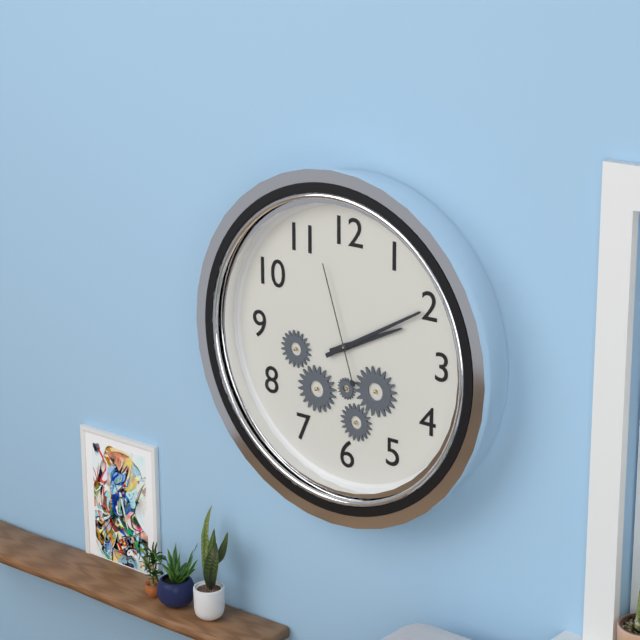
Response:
2h10m57s
